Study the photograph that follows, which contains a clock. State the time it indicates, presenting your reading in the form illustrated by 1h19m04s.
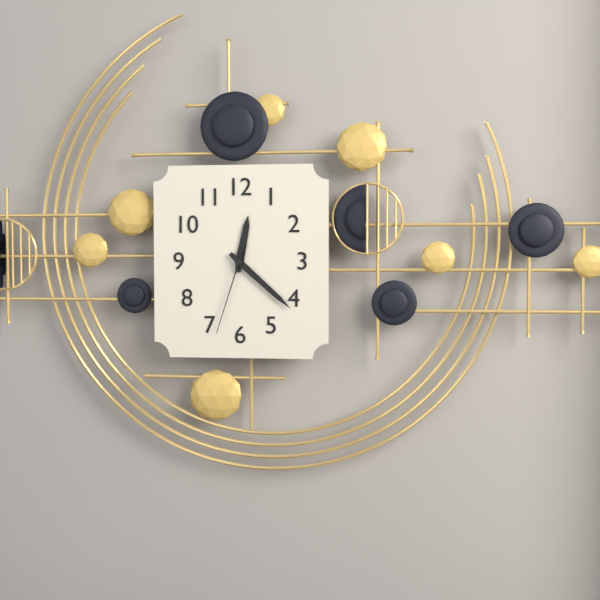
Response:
12h22m33s
